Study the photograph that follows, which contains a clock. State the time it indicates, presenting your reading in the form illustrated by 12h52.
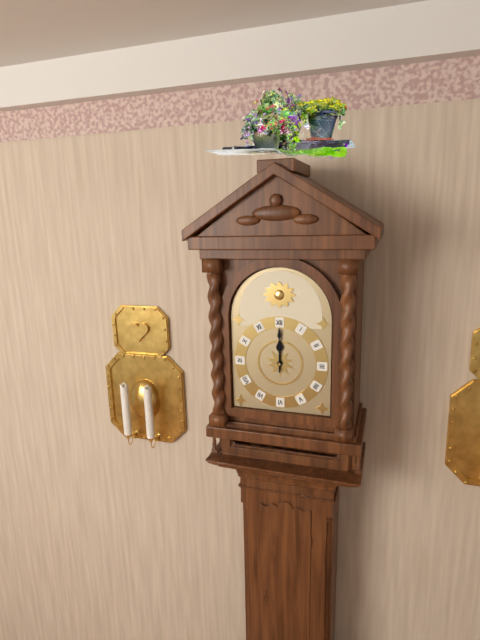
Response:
12h00
